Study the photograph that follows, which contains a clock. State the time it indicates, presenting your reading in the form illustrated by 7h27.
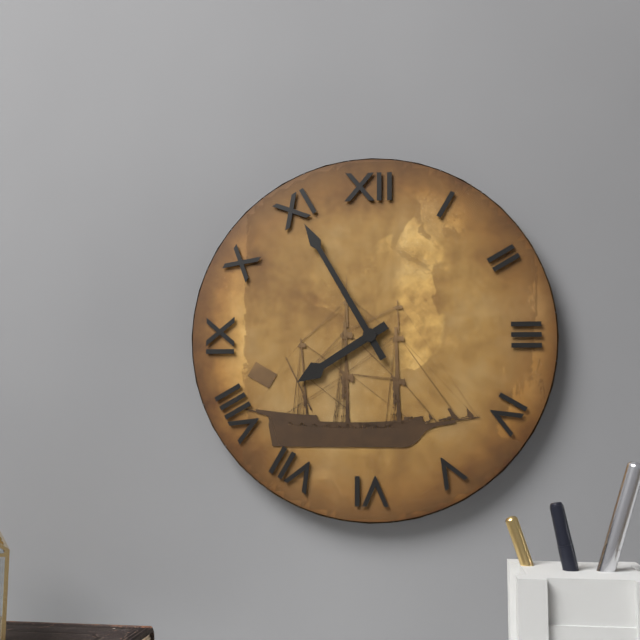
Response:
7h55
